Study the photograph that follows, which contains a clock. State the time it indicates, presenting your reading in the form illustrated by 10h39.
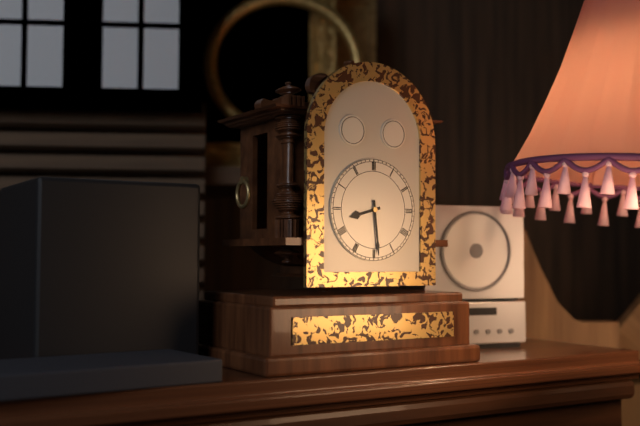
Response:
8h29
